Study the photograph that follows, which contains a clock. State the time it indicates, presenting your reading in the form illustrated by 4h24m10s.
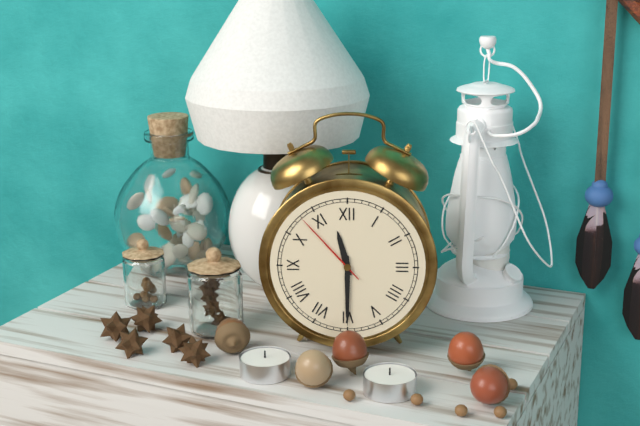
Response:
11h30m53s
